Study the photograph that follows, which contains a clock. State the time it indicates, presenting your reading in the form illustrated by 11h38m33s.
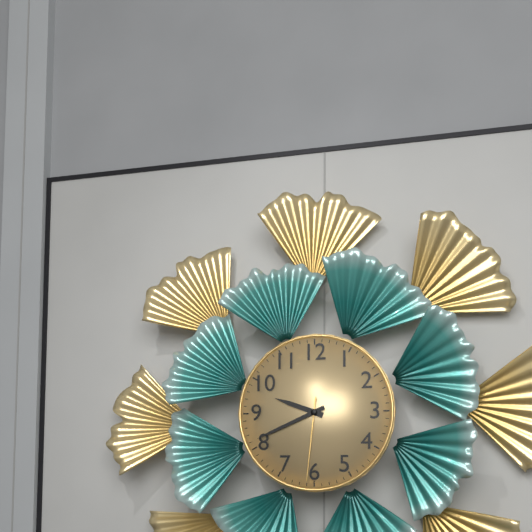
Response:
9h41m31s
